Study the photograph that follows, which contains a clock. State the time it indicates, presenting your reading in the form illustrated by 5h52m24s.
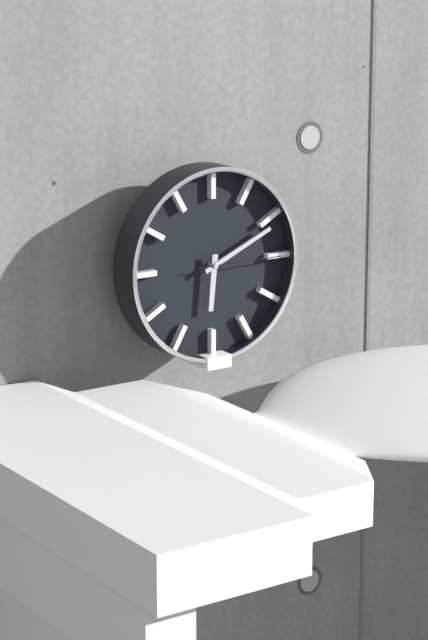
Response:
6h11m15s
